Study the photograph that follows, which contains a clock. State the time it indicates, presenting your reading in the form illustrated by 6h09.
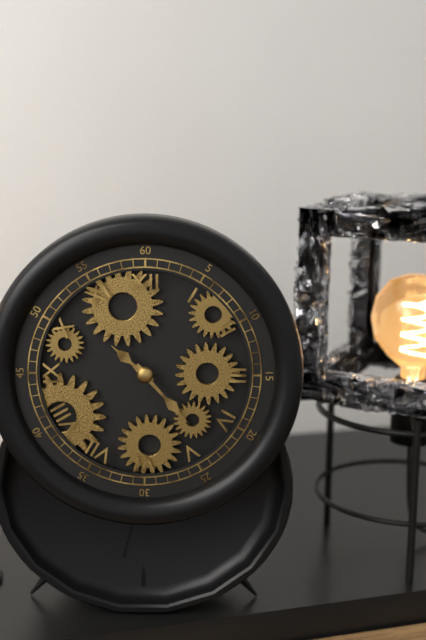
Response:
10h23
